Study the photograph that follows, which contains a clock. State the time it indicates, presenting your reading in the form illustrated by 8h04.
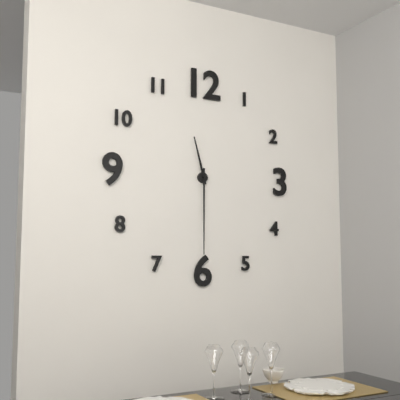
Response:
11h30
